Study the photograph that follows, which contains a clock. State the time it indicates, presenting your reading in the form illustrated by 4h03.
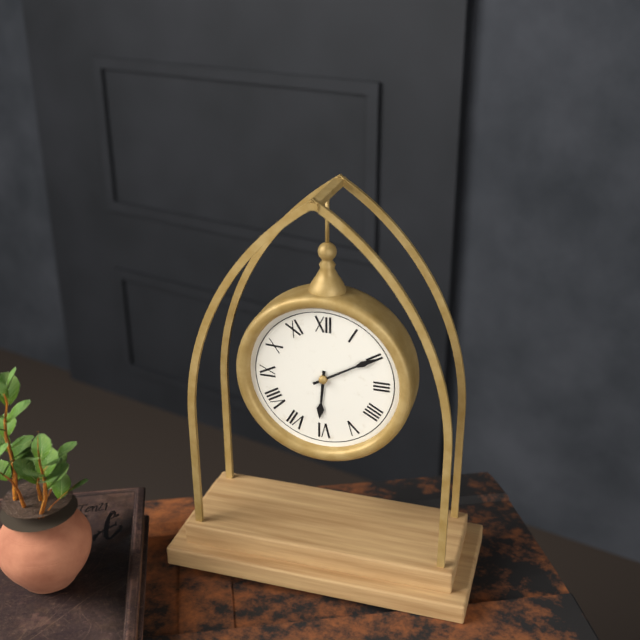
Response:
6h10
